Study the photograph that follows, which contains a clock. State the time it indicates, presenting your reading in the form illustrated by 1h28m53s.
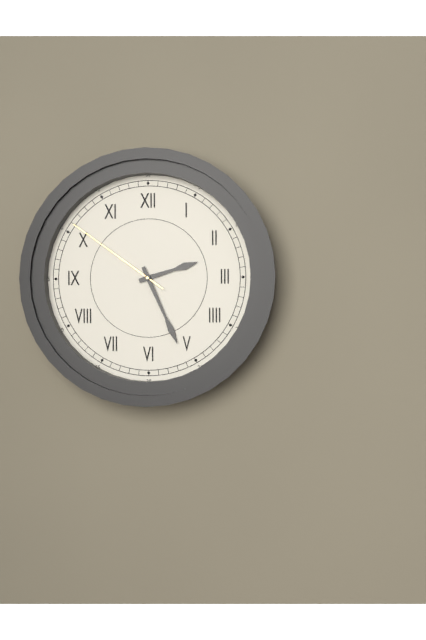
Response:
2h26m51s
